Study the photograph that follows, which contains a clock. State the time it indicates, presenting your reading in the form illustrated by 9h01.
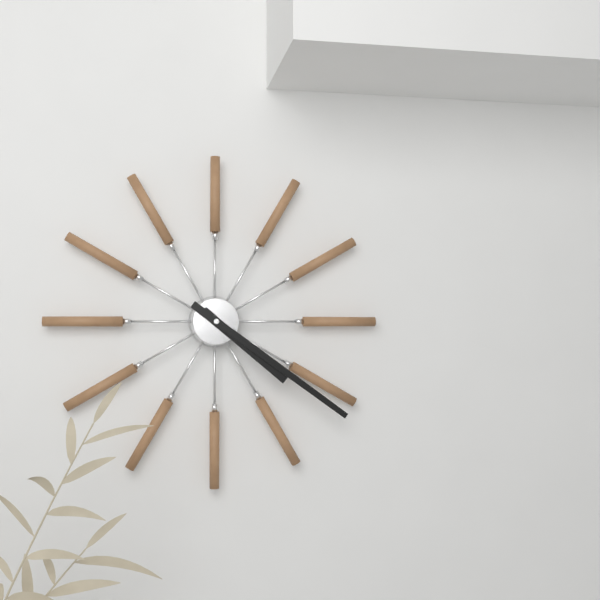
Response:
4h21
